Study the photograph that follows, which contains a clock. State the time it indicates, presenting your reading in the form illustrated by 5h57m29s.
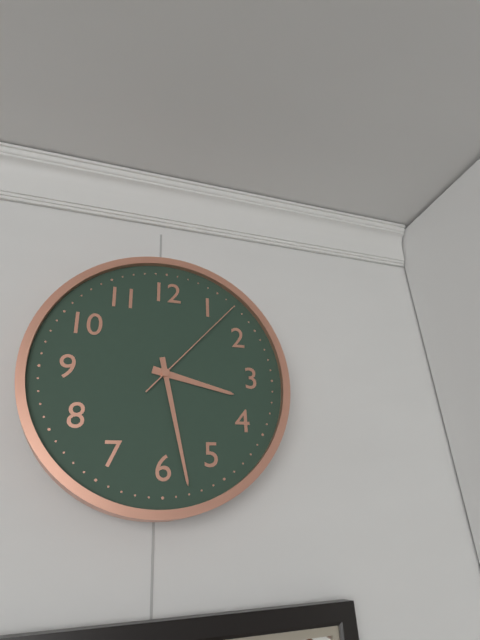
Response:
3h28m07s
